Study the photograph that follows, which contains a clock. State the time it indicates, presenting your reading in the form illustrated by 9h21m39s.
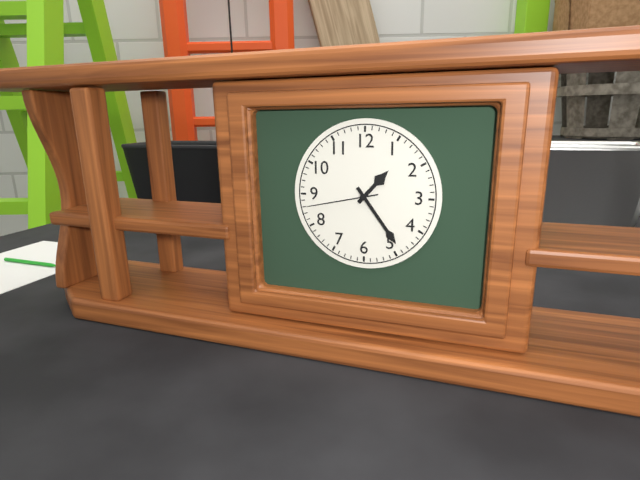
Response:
1h24m43s
